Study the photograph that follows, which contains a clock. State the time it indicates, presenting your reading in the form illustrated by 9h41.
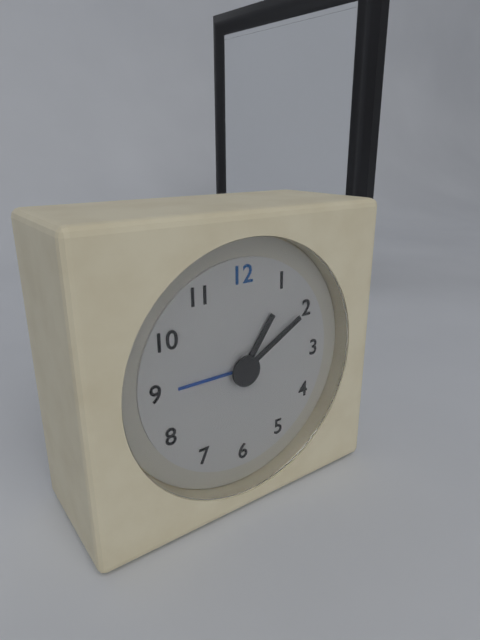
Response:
1h10
